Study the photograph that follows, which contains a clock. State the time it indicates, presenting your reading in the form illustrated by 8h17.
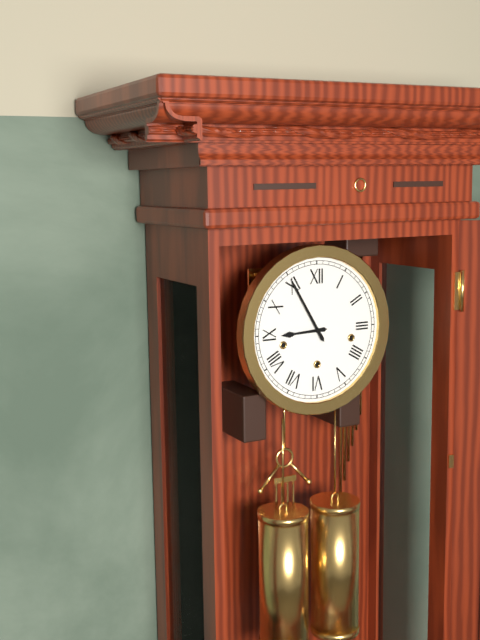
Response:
8h55
